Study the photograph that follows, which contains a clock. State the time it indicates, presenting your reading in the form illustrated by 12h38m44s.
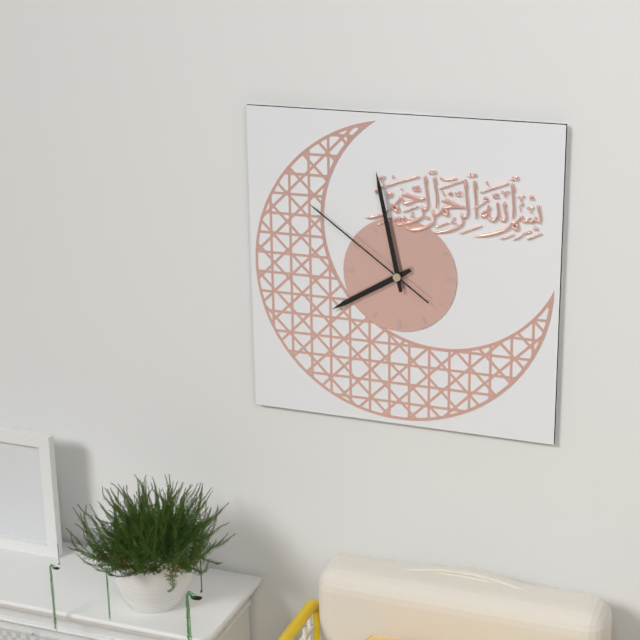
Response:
7h58m51s
